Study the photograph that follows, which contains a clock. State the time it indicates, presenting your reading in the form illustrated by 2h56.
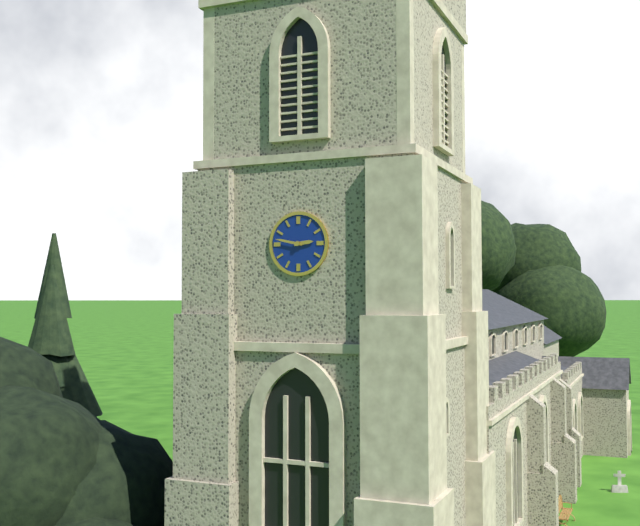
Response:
2h47
